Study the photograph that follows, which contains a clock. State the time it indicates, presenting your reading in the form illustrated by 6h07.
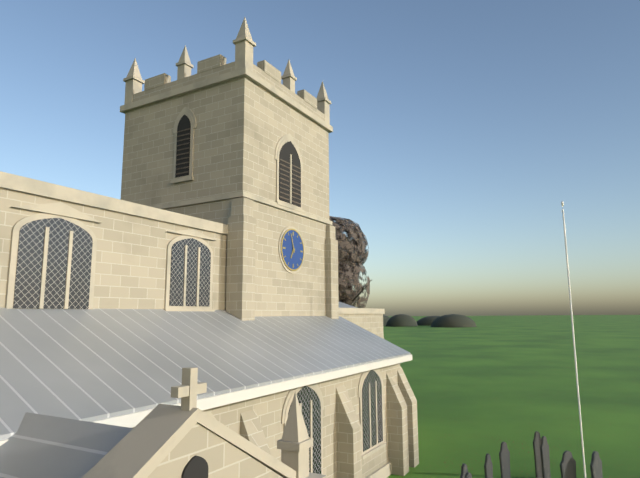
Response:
6h57
